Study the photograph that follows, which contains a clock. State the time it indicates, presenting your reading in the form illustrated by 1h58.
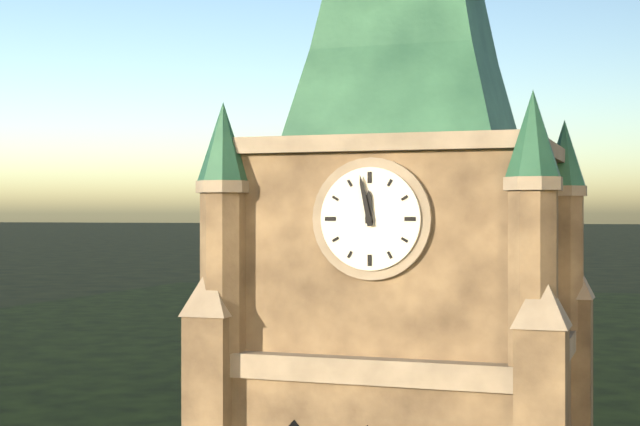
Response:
11h58
